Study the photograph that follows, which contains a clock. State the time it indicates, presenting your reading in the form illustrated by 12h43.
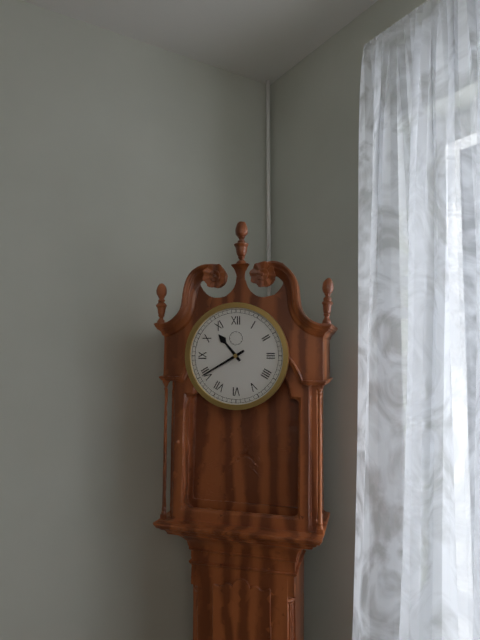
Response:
10h40
